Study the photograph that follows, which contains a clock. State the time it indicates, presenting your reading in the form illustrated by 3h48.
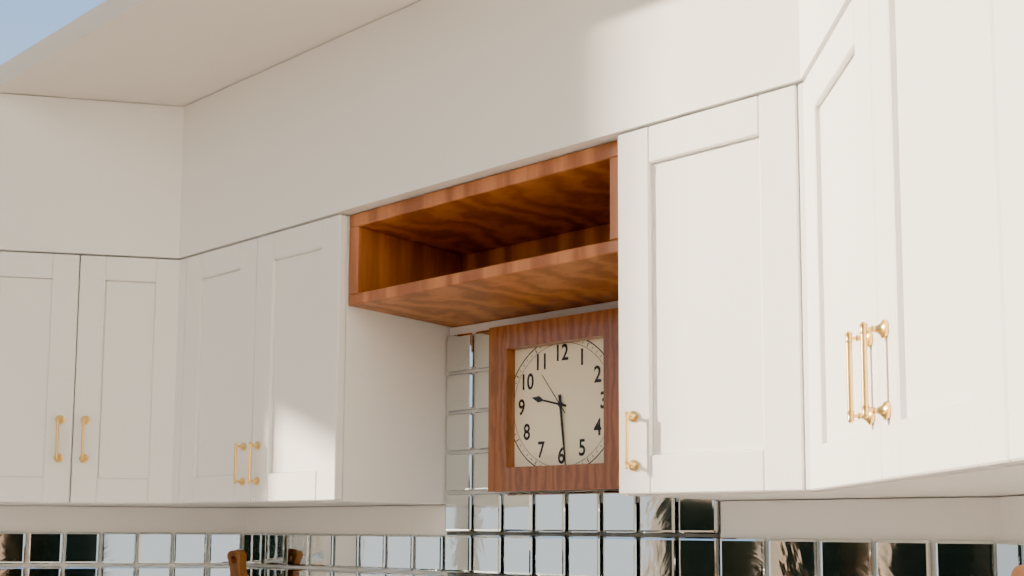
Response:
9h29
